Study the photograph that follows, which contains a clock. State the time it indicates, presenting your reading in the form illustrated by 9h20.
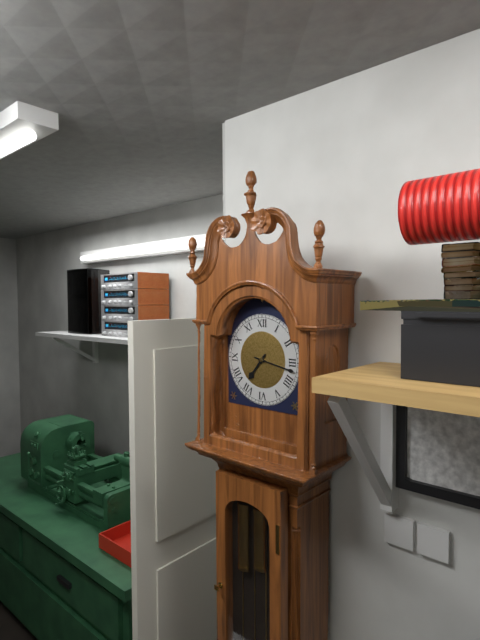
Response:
7h17
